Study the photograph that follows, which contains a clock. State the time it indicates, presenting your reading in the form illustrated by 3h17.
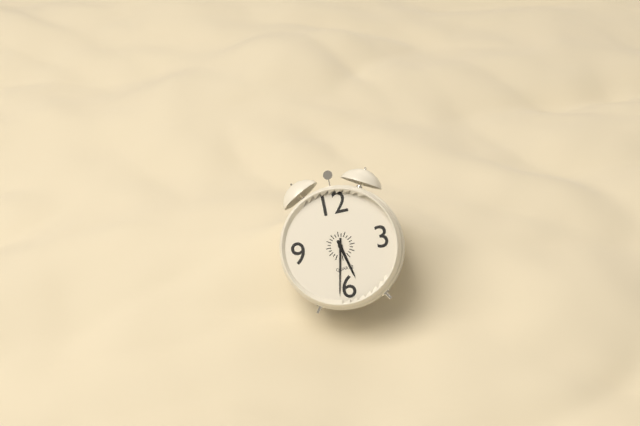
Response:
5h32
